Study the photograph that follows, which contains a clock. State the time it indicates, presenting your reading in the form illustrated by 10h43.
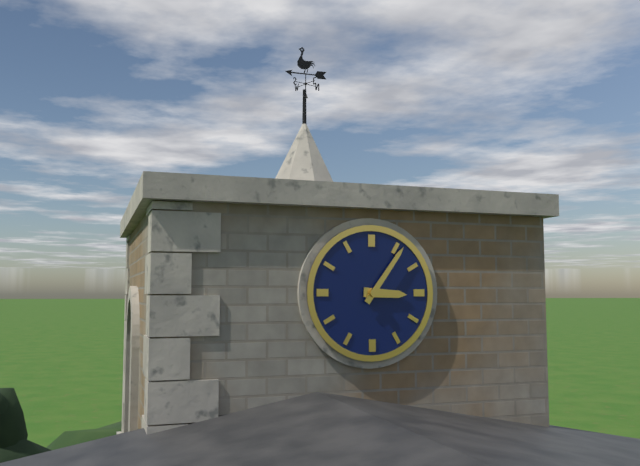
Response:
3h06
